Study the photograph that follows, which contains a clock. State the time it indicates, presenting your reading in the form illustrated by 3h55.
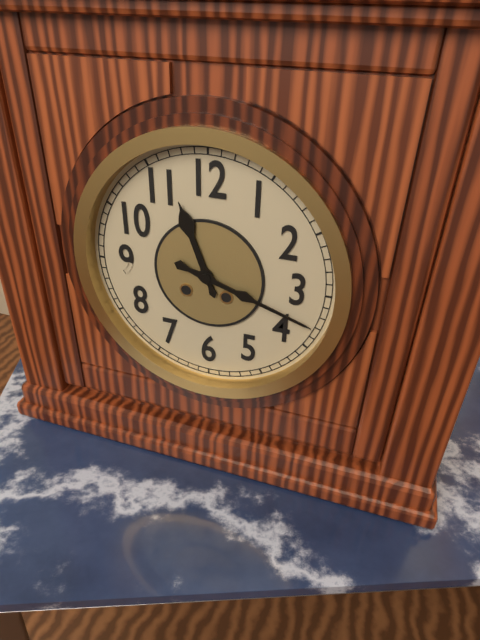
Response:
11h18
